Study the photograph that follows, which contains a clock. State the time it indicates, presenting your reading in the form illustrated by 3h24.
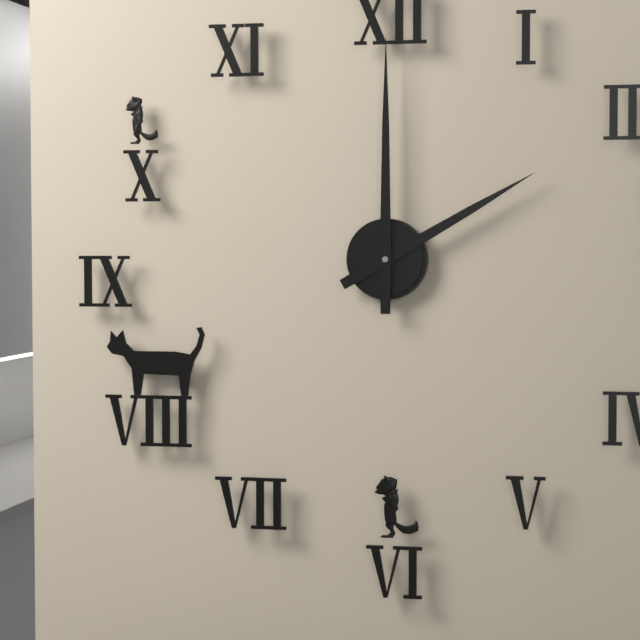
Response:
2h00
